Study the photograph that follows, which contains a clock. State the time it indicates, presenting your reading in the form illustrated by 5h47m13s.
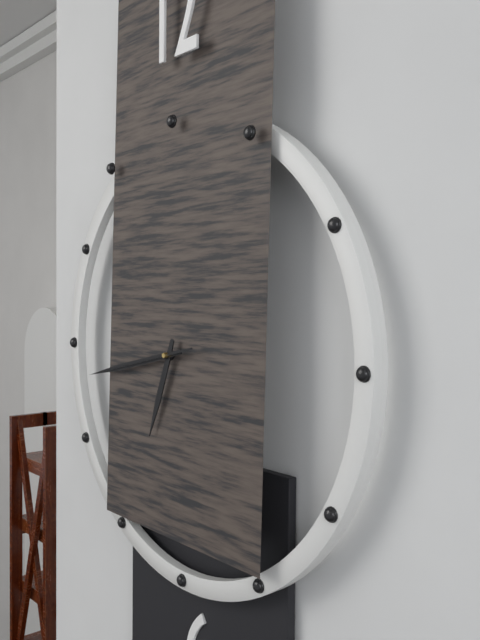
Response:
6h43m43s
